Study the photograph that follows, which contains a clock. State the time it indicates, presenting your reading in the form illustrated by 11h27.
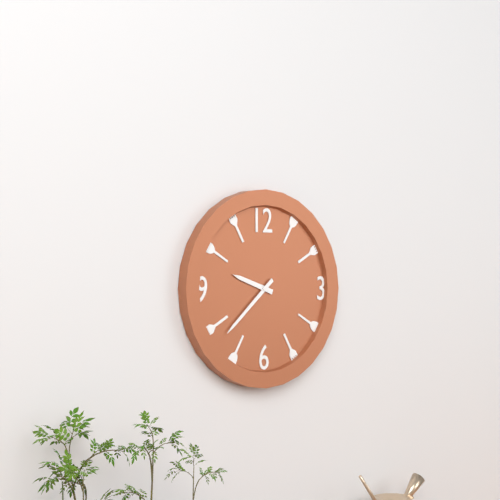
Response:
9h38
